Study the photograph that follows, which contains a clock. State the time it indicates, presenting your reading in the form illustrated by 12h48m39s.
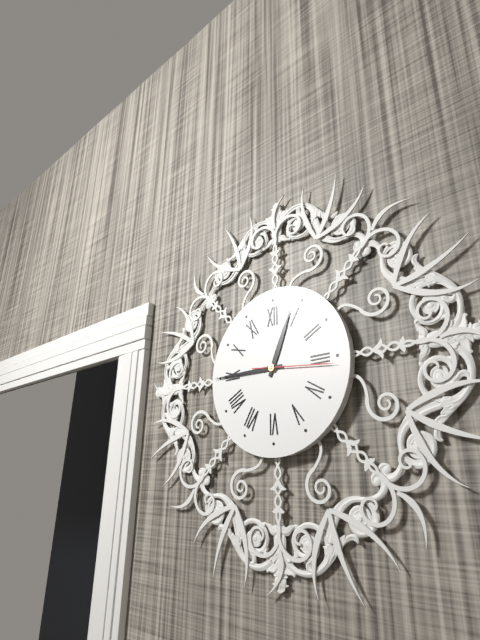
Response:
12h45m16s
